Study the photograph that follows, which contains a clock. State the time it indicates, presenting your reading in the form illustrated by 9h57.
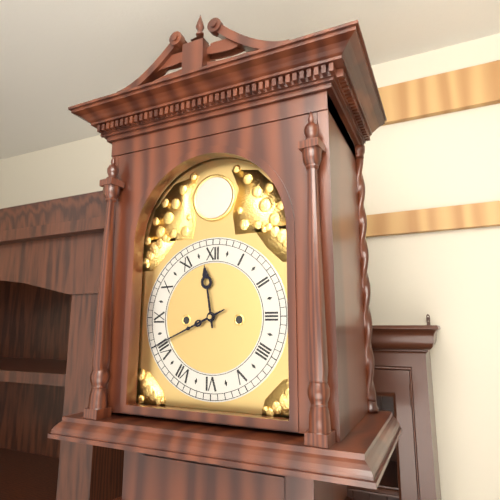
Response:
11h41
